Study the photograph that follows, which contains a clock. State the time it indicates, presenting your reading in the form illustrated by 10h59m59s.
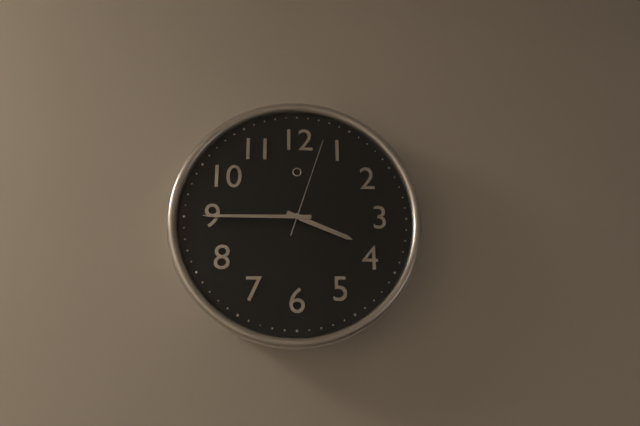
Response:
3h45m03s
